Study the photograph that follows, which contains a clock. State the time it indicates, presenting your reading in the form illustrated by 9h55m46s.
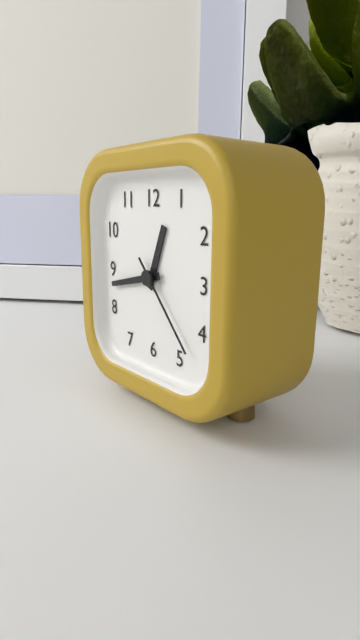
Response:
12h43m23s
